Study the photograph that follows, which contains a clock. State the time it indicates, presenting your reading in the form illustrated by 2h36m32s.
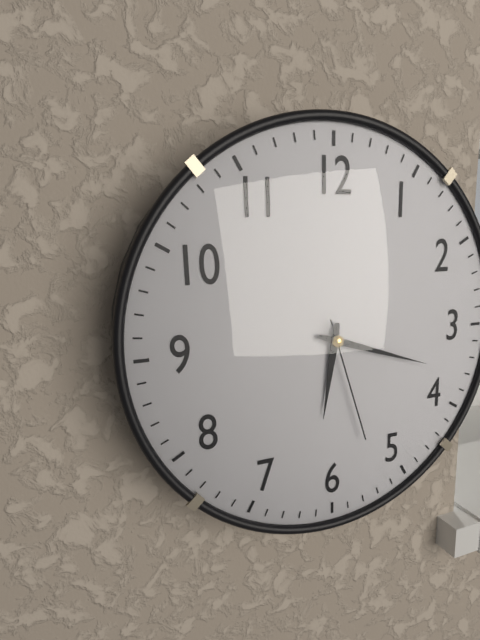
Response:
6h18m27s
